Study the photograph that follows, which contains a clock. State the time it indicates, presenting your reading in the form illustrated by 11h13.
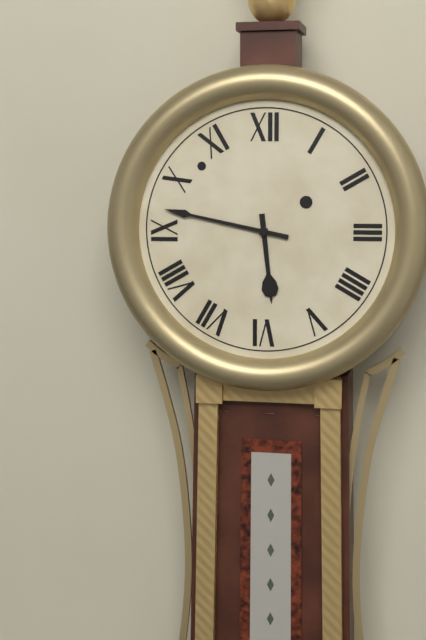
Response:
5h47
